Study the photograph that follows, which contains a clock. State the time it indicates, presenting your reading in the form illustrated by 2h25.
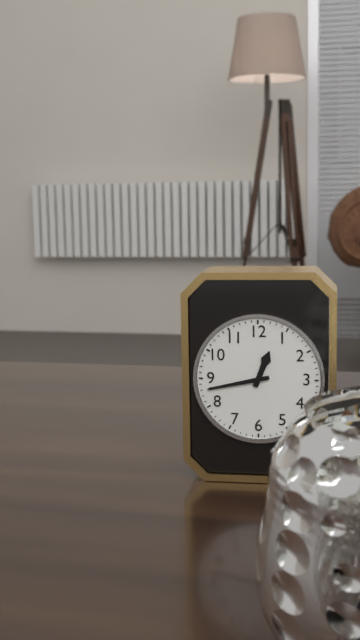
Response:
12h43
